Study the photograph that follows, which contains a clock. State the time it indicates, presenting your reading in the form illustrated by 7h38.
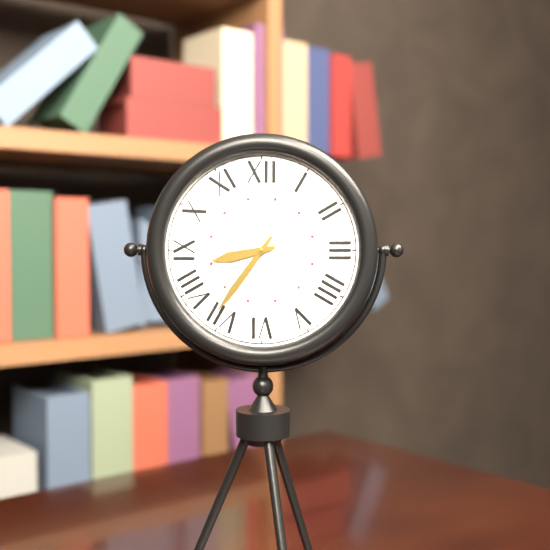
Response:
8h36
